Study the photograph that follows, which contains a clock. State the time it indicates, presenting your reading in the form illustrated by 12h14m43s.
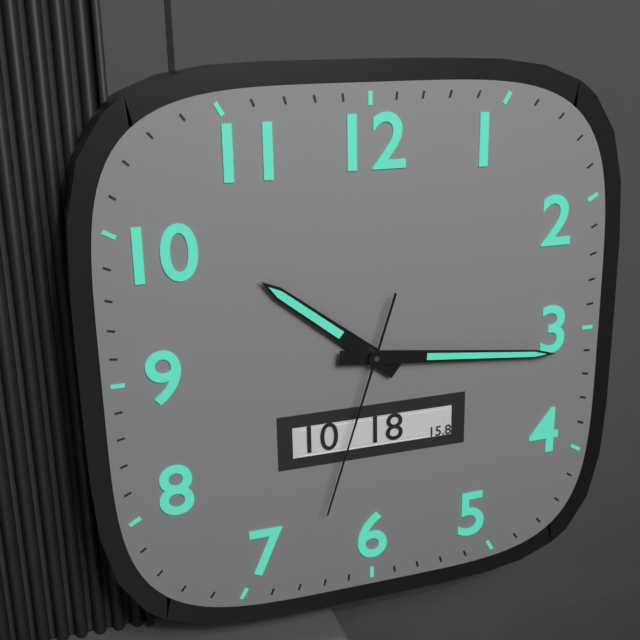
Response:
10h16m33s
